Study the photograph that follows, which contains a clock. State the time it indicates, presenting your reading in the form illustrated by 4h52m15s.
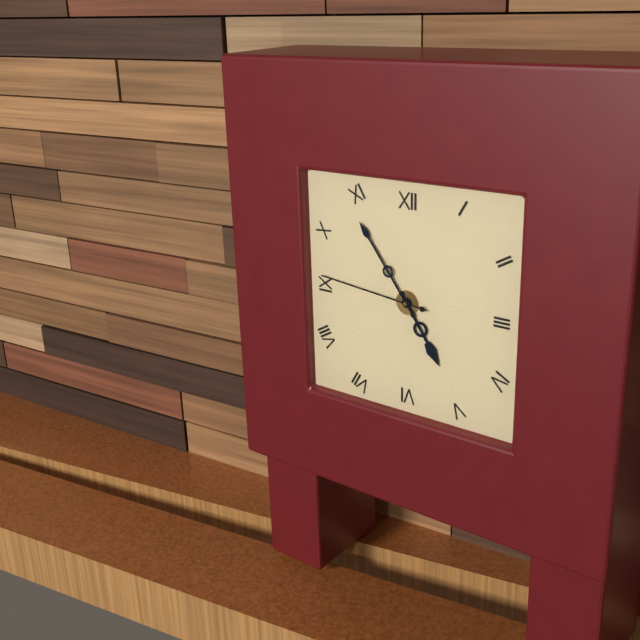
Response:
4h54m46s
